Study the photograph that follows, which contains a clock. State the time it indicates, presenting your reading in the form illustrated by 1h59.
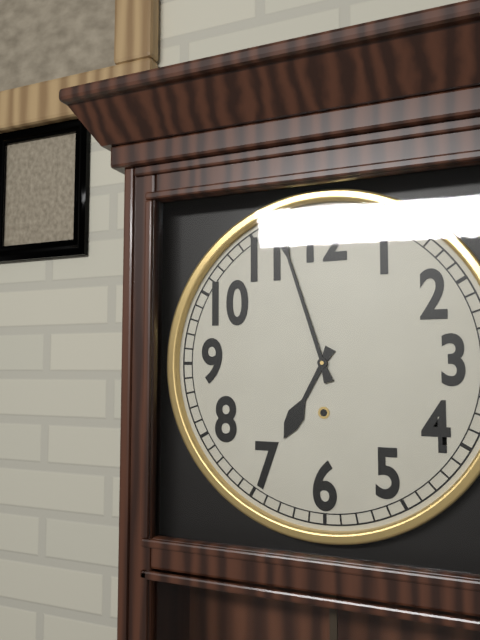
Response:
6h57
